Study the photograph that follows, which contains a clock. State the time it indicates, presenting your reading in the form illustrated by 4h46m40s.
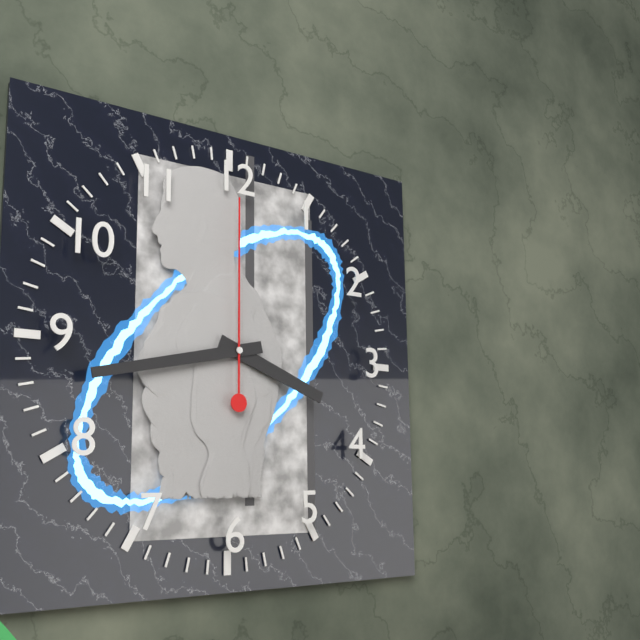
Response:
3h43m00s
